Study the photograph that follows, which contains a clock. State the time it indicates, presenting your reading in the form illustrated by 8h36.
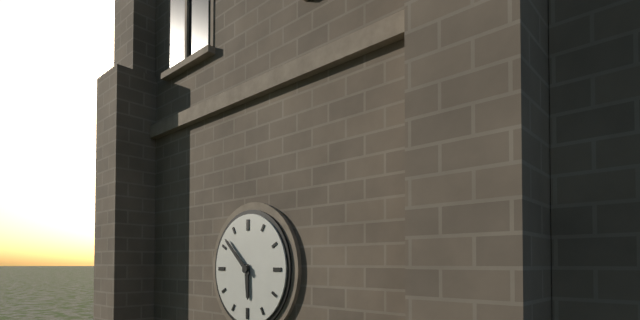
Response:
5h52
